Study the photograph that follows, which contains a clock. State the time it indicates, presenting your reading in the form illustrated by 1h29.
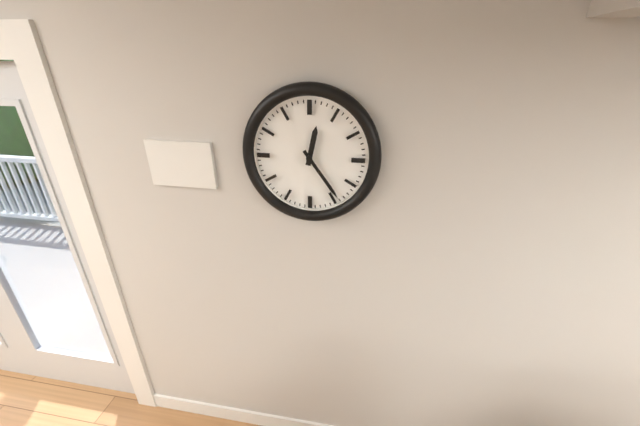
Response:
12h24
